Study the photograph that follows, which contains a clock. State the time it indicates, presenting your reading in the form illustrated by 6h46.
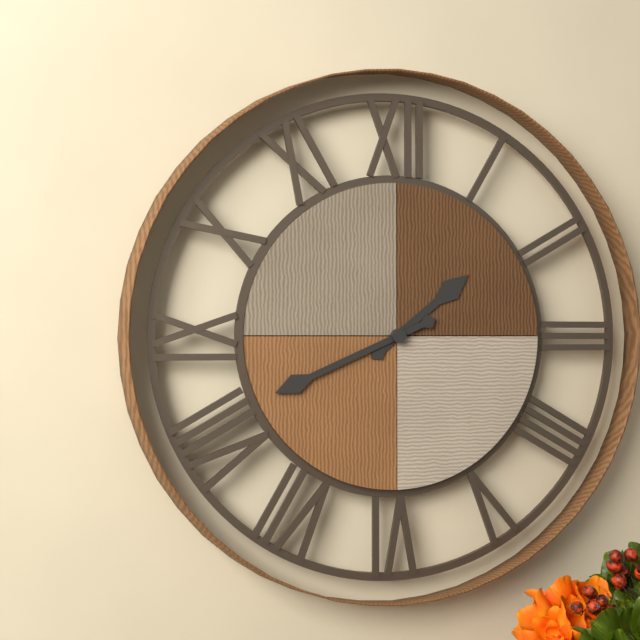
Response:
1h41
